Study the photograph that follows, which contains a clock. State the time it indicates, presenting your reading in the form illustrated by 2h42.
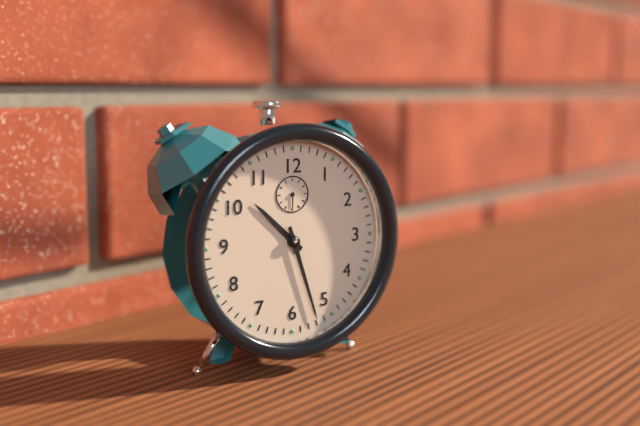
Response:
10h27
